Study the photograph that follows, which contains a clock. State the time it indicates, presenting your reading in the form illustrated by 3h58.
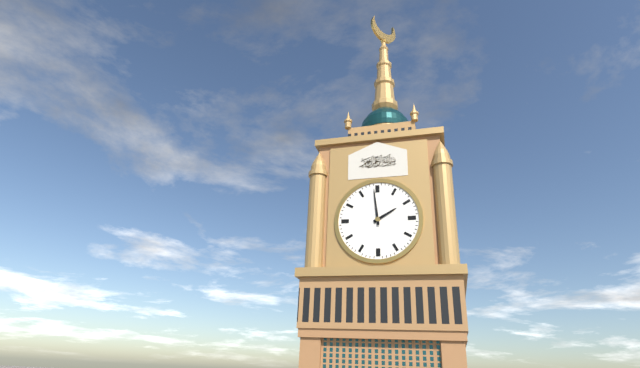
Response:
1h59
